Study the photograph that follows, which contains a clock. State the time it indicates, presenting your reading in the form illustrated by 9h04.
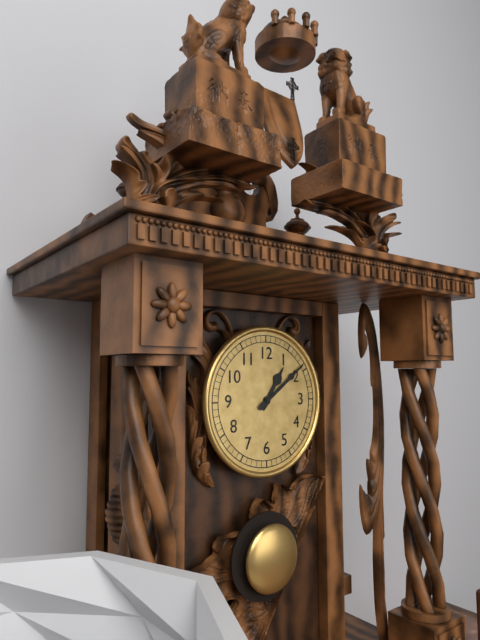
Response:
1h09
